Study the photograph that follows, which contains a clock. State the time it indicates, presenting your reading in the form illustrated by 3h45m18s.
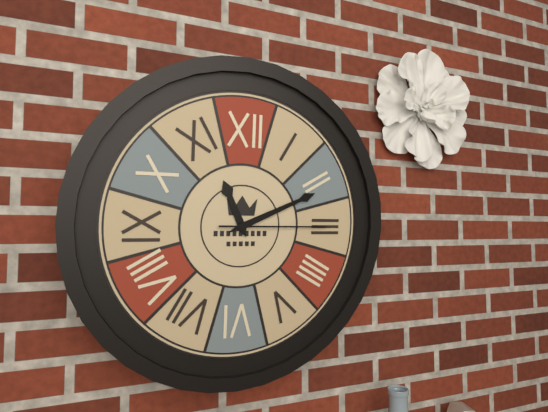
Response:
11h11m15s
